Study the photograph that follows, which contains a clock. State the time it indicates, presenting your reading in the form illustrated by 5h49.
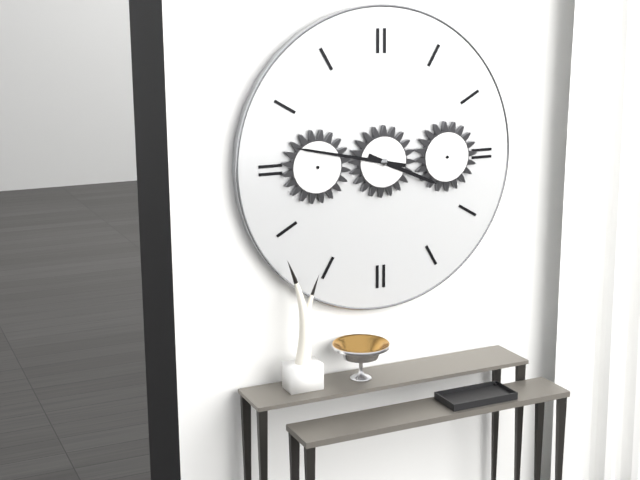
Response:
3h47
